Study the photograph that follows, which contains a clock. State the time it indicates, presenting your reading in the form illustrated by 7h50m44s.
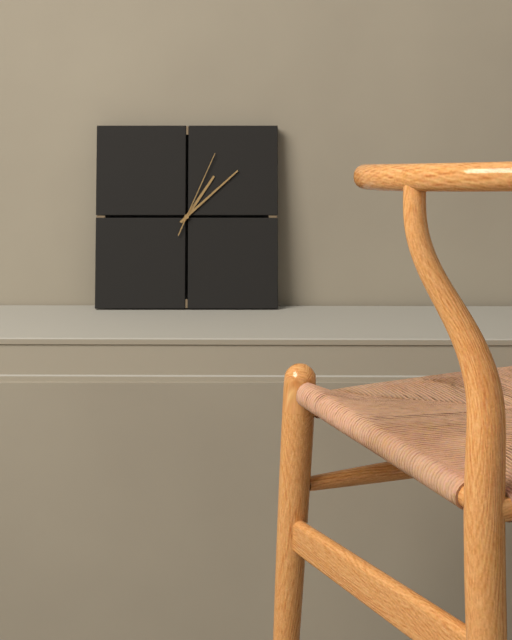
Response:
1h08m04s
